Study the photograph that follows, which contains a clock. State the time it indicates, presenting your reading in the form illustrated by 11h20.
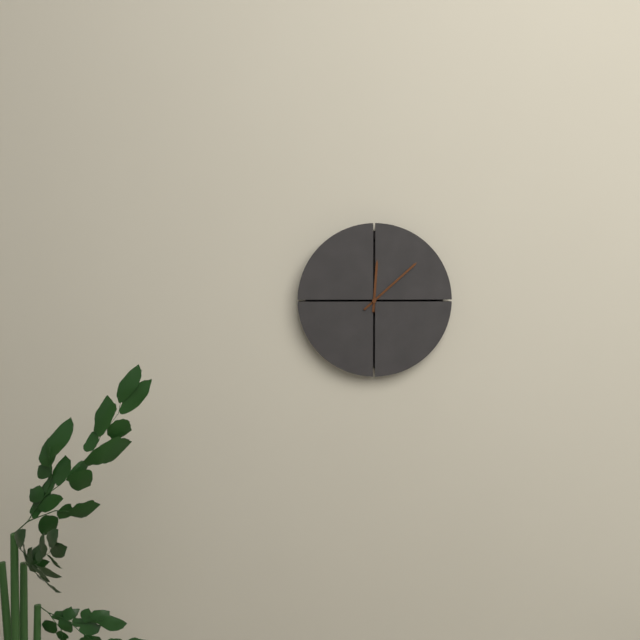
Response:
12h08
